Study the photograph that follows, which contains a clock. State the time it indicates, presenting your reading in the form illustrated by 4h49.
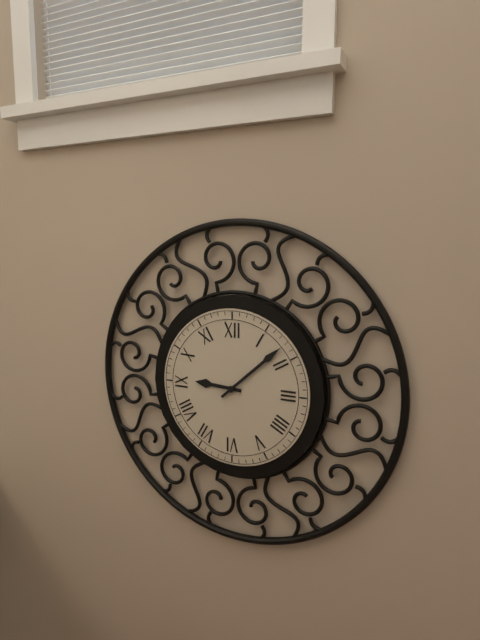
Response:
9h08
